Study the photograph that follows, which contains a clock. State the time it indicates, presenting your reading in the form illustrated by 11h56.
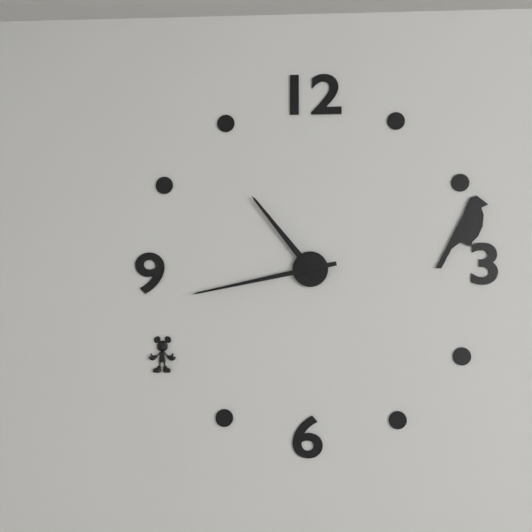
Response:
10h43
